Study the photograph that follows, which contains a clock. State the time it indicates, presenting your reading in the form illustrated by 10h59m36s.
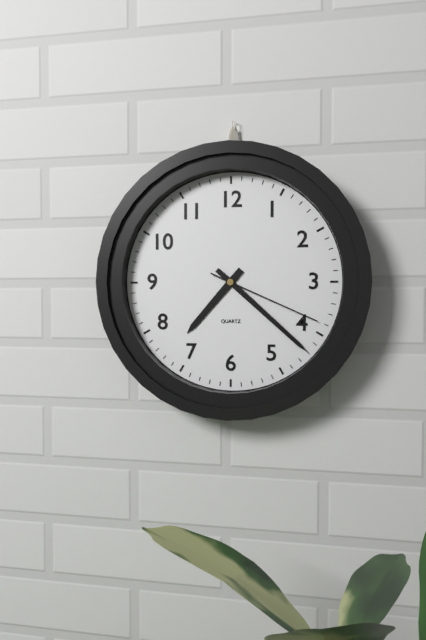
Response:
7h22m19s
